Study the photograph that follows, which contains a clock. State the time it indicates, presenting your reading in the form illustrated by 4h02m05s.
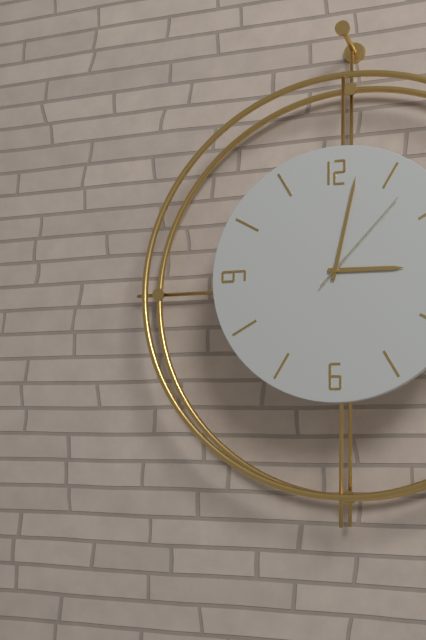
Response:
3h02m07s
